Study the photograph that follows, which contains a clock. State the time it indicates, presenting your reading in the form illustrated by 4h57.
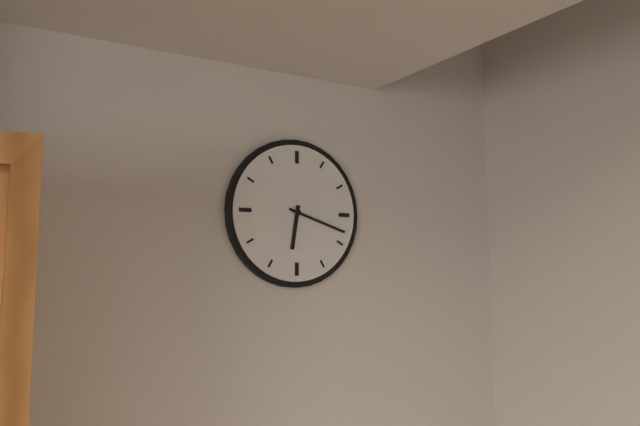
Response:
6h18
